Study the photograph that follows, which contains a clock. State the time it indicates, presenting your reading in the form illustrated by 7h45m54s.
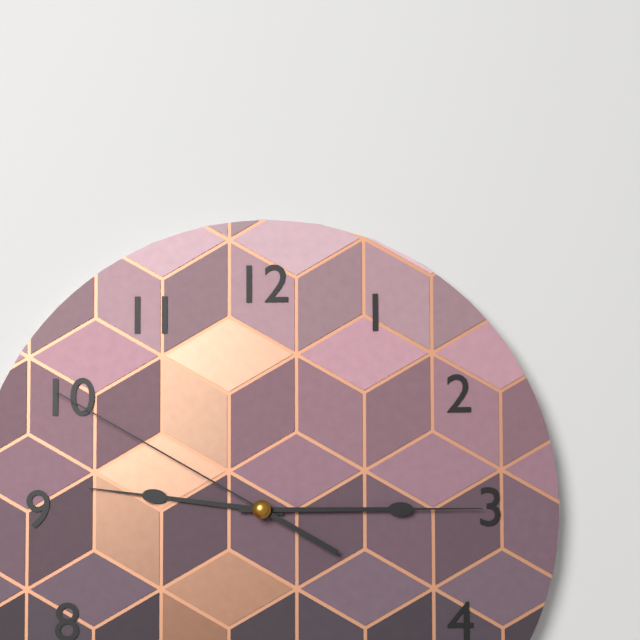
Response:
9h15m50s
